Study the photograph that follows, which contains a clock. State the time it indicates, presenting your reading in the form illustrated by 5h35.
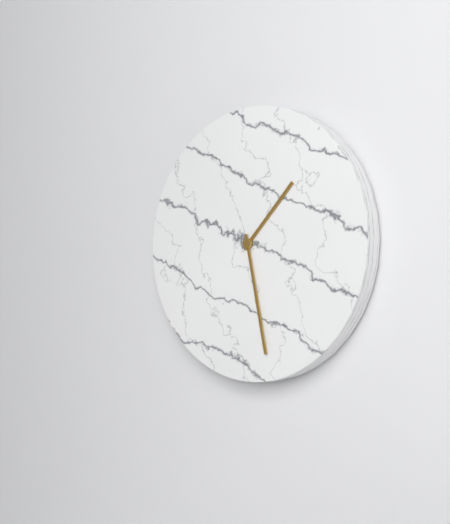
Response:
1h28
